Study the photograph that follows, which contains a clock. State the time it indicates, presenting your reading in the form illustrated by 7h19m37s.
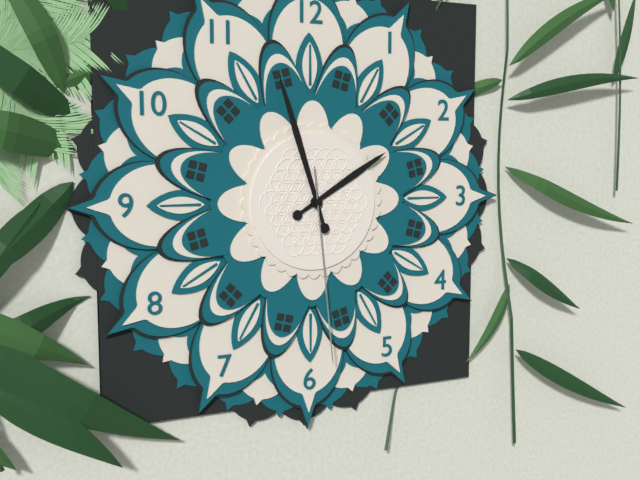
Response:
1h57m29s
